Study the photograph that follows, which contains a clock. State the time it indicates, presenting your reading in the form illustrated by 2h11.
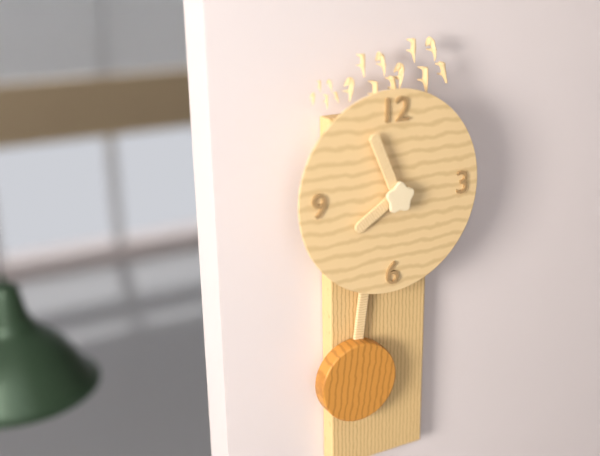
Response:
7h56
